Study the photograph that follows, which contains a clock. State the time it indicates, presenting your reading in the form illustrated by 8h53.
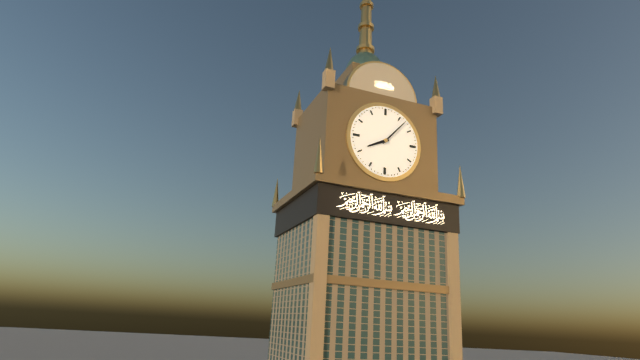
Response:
8h07
